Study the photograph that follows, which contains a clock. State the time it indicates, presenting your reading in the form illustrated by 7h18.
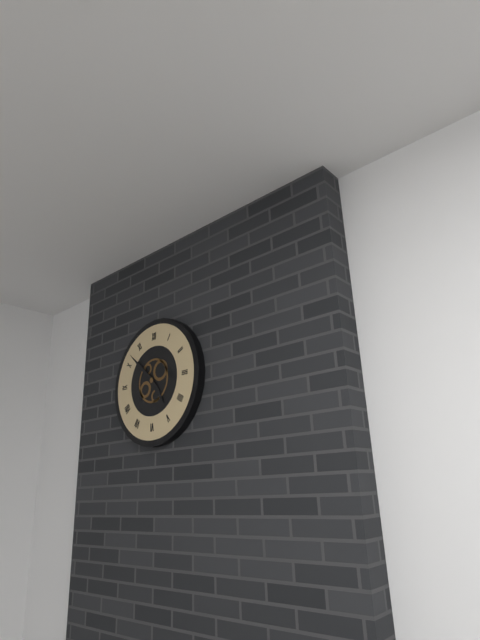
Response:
4h52
